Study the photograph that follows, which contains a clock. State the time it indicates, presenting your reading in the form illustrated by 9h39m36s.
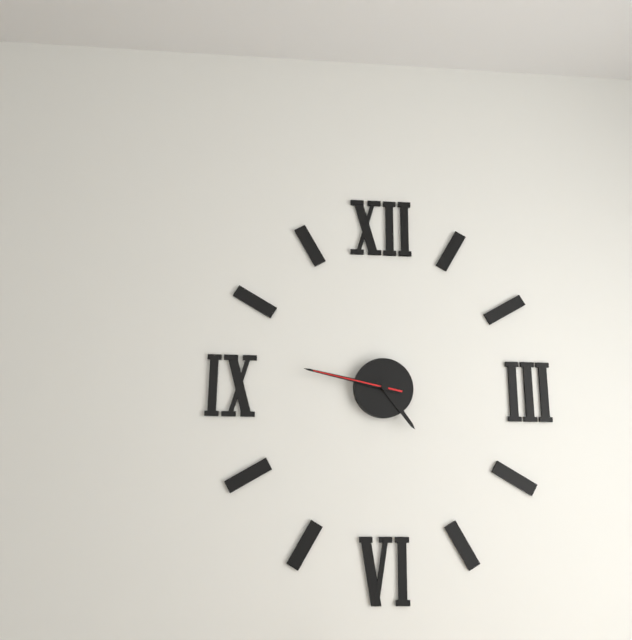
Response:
4h47m47s
